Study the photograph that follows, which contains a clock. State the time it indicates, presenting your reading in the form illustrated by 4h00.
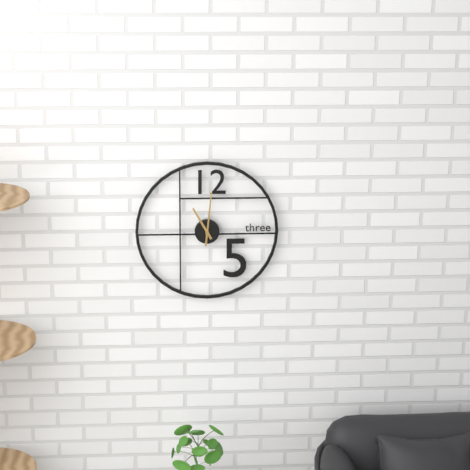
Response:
11h01
